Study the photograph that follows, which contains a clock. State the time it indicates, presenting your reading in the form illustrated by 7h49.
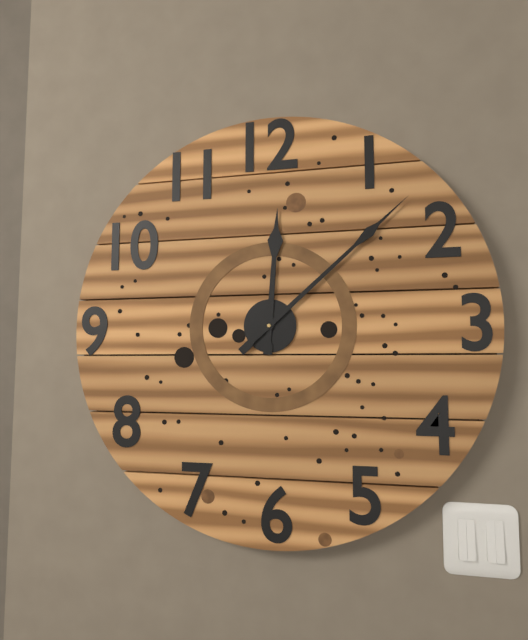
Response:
12h08
